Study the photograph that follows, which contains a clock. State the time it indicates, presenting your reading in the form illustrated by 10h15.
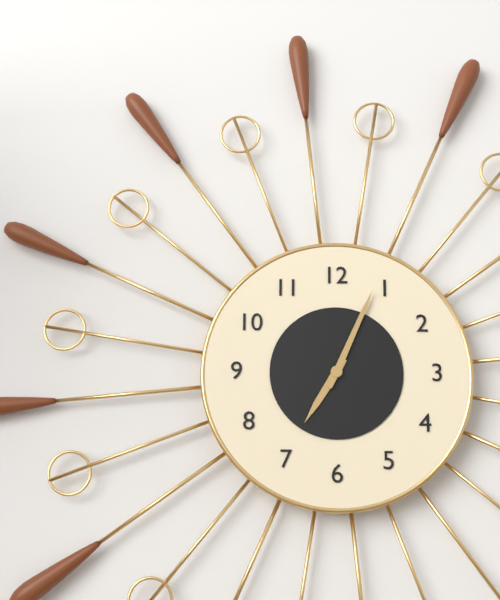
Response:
7h04
